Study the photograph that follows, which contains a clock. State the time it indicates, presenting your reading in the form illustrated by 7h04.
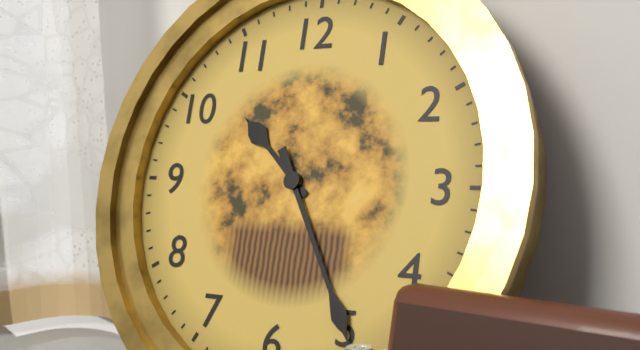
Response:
10h25
